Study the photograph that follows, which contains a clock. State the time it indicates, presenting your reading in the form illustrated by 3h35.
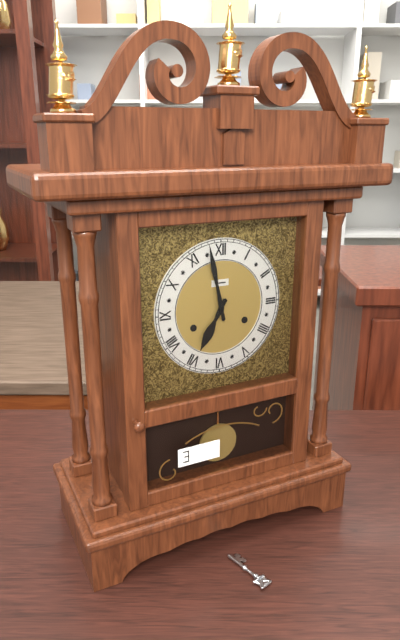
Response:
6h58
